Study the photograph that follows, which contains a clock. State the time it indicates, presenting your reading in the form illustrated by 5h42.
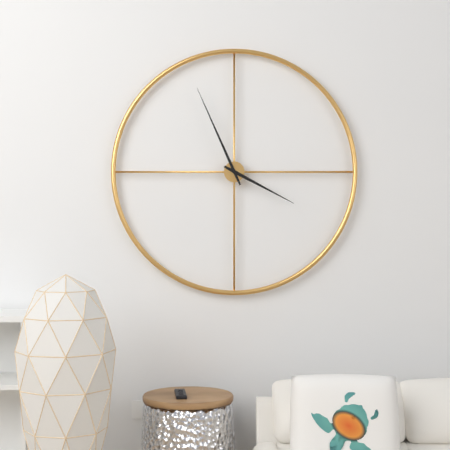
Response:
3h56
